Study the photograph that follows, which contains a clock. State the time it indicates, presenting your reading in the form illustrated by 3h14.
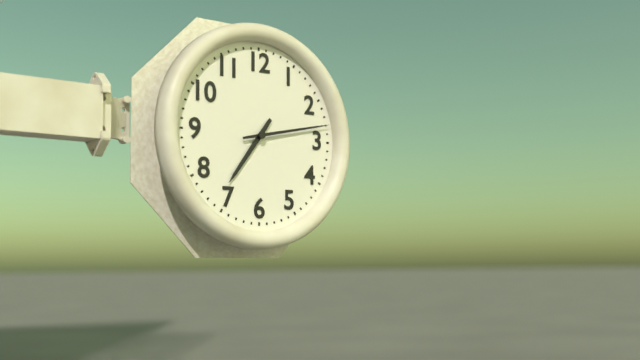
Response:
7h13
